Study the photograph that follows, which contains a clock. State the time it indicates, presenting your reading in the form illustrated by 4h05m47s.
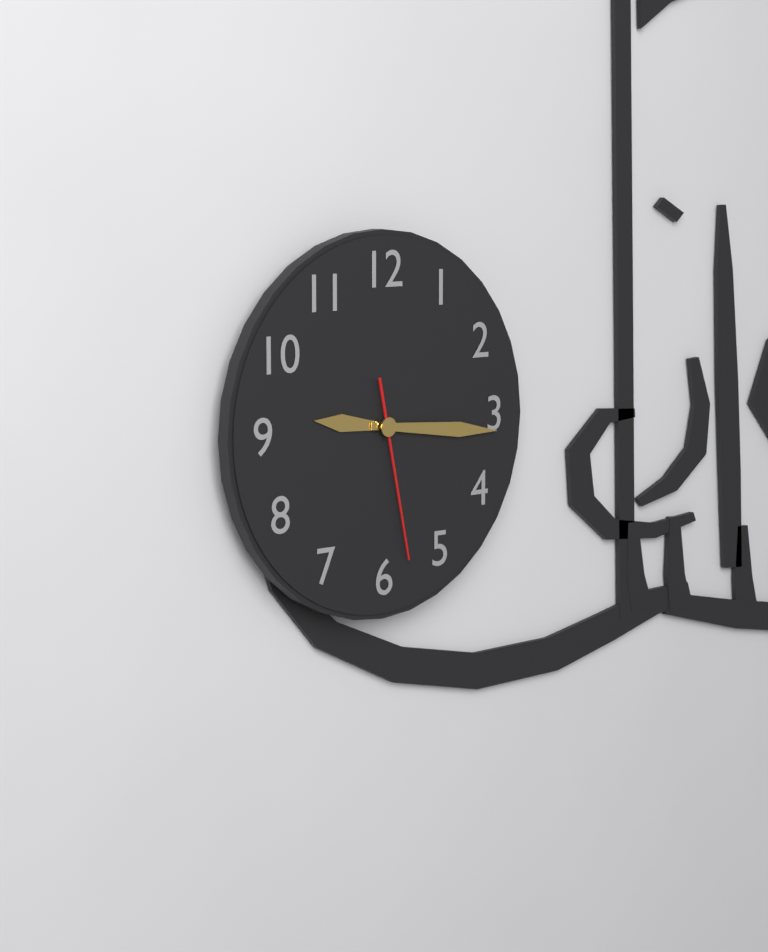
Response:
9h16m28s
